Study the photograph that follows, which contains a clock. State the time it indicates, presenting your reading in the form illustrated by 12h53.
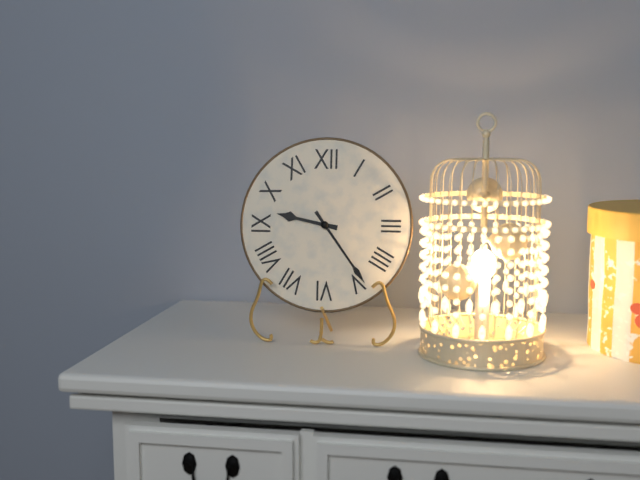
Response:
9h24
